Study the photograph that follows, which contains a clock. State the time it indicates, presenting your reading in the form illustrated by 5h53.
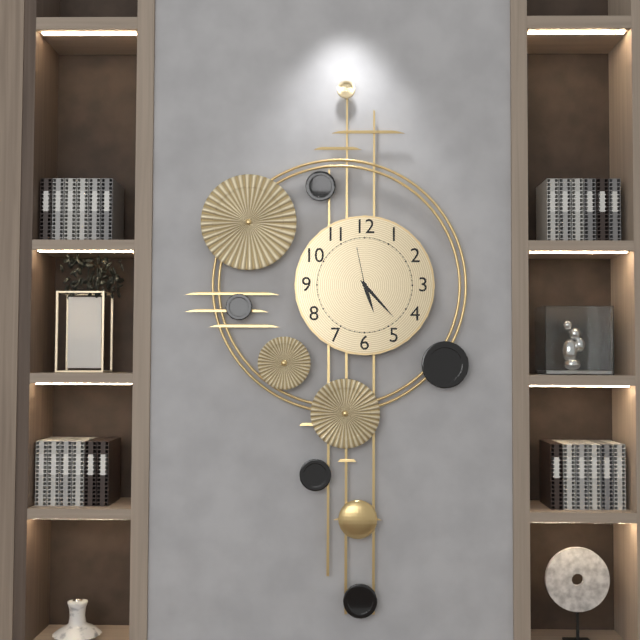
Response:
5h23
